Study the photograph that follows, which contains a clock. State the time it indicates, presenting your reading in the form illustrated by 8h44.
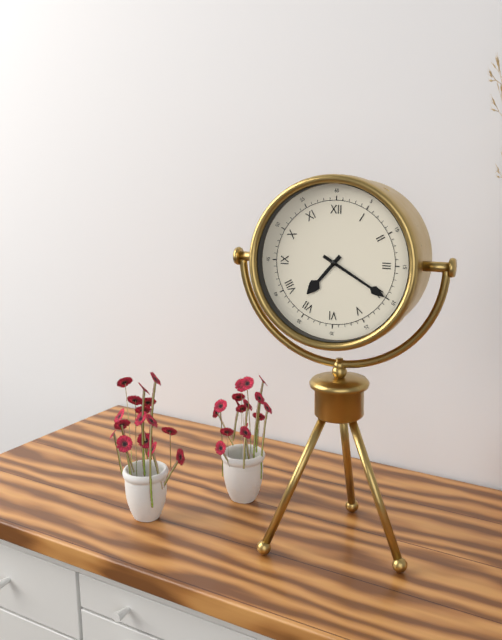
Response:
7h20
